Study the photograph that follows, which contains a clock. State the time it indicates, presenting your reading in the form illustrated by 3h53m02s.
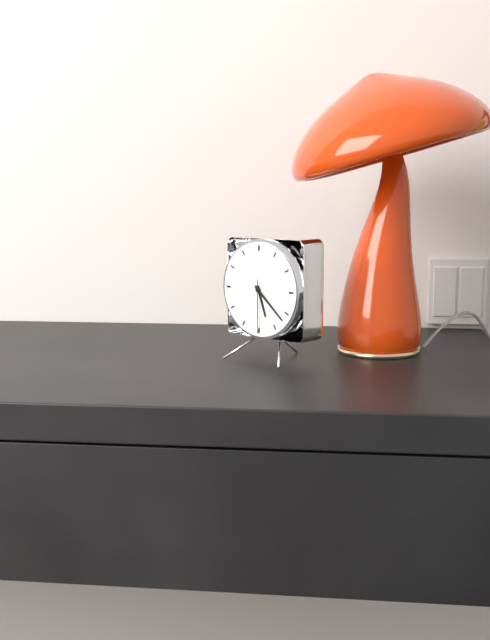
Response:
5h22m30s
